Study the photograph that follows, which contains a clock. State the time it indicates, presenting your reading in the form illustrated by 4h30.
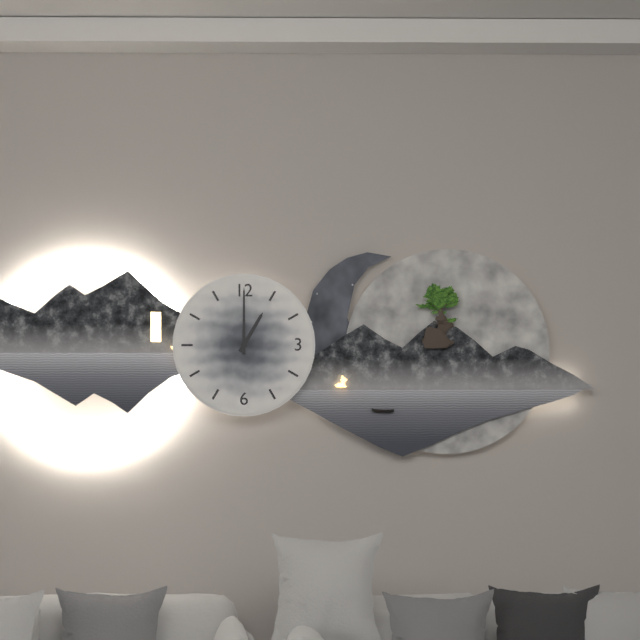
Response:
1h00
